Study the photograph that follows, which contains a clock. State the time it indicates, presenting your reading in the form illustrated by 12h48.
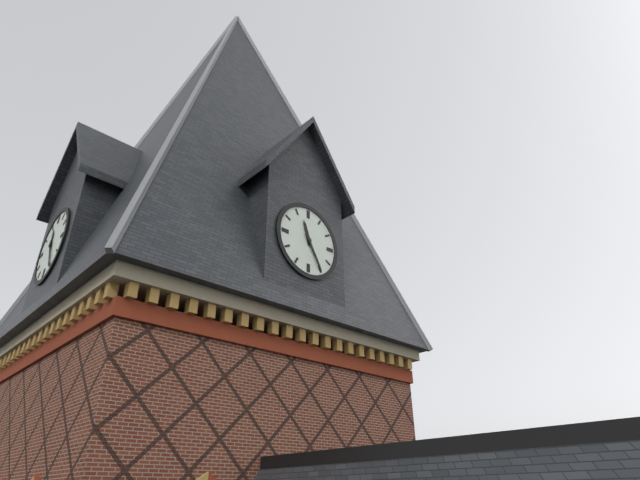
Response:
11h25
